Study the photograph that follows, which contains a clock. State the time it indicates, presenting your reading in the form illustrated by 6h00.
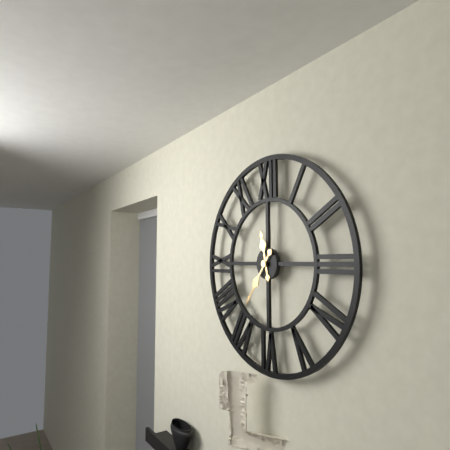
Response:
11h36
